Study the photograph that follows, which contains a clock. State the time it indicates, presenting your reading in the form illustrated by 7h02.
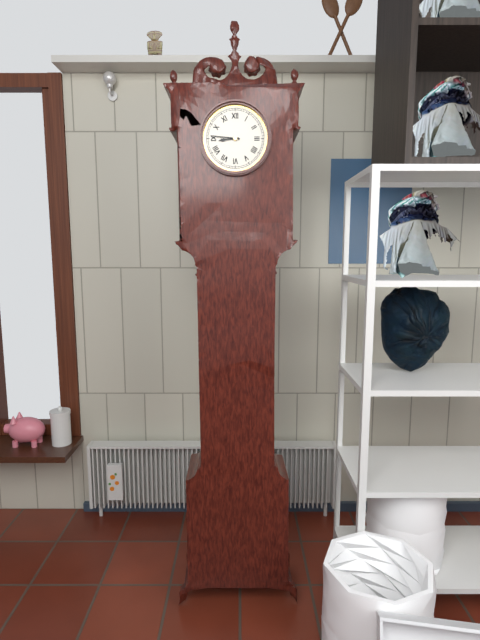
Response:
8h46
